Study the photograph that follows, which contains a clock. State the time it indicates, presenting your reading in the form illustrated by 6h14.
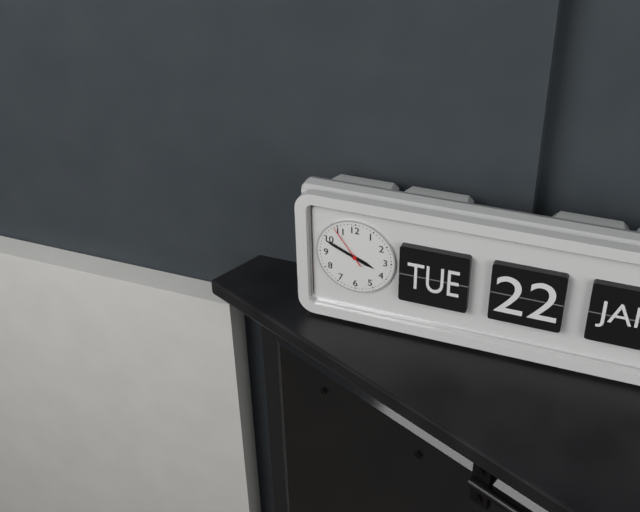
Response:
3h49
